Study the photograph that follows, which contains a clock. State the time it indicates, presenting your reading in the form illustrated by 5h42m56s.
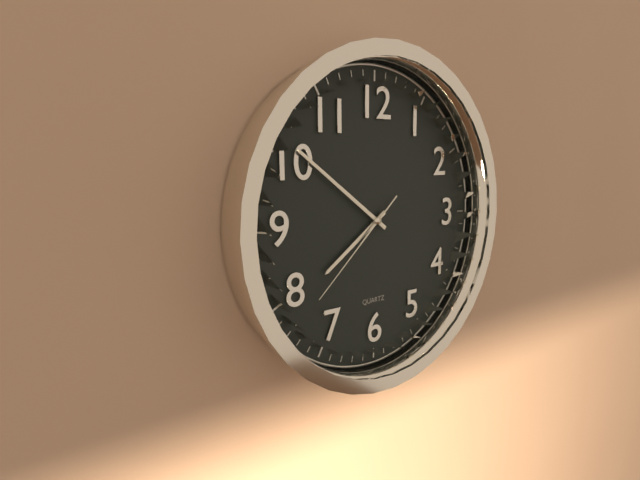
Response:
7h51m38s
